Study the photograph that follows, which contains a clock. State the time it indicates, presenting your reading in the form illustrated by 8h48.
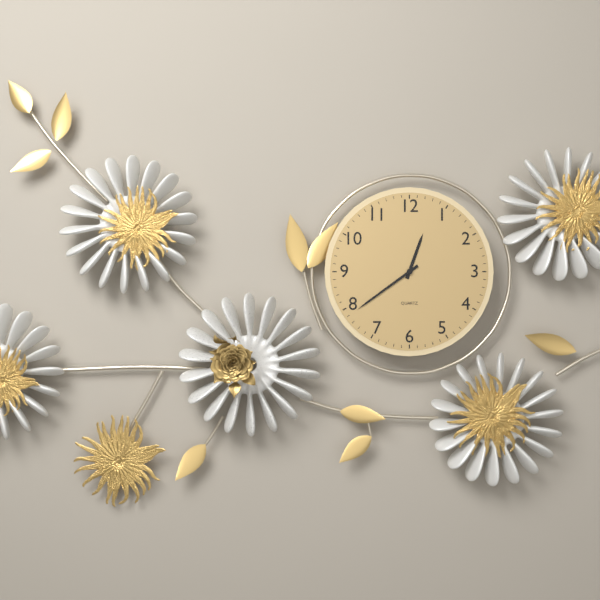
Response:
12h39
